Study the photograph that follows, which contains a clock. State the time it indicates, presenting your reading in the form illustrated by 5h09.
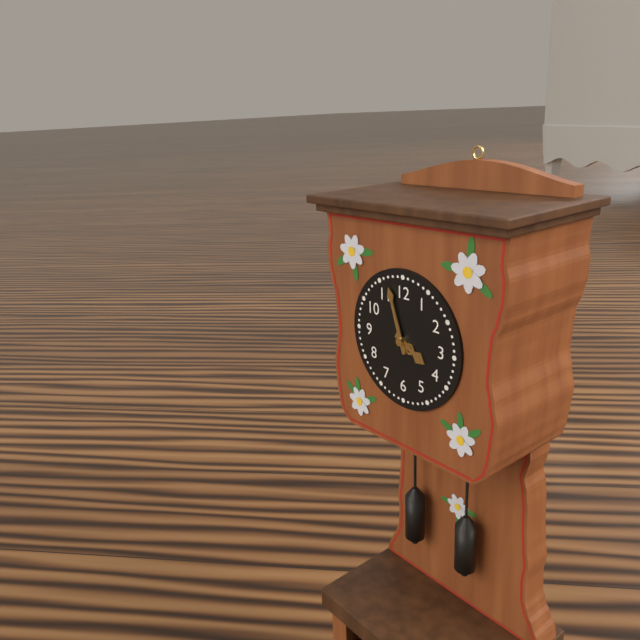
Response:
3h57
